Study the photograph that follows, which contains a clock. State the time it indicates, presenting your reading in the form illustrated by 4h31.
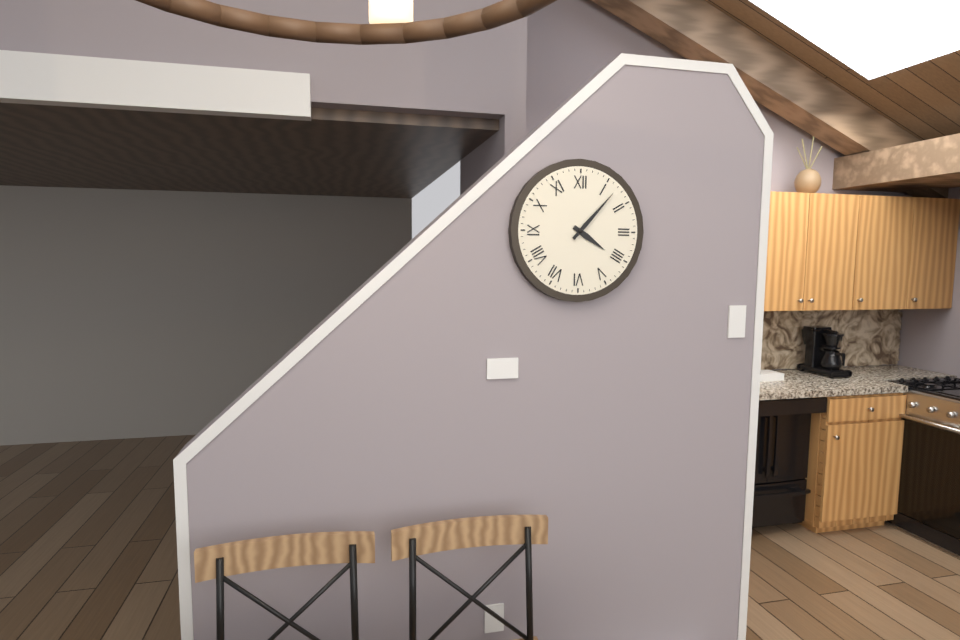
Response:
4h07
